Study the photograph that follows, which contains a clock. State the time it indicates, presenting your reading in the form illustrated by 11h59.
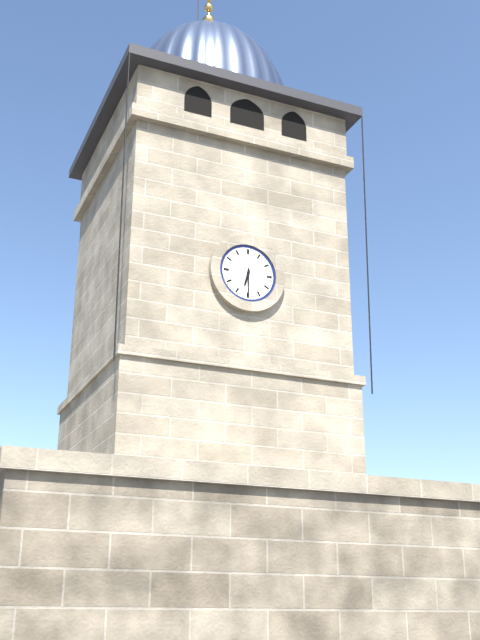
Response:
6h30
